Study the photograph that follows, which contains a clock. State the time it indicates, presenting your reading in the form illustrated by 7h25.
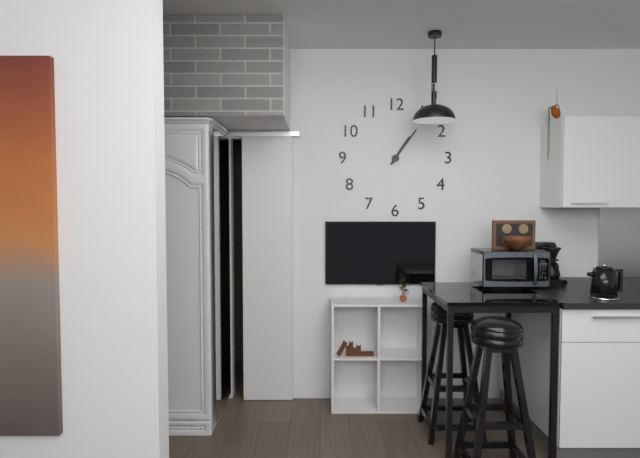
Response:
1h06
